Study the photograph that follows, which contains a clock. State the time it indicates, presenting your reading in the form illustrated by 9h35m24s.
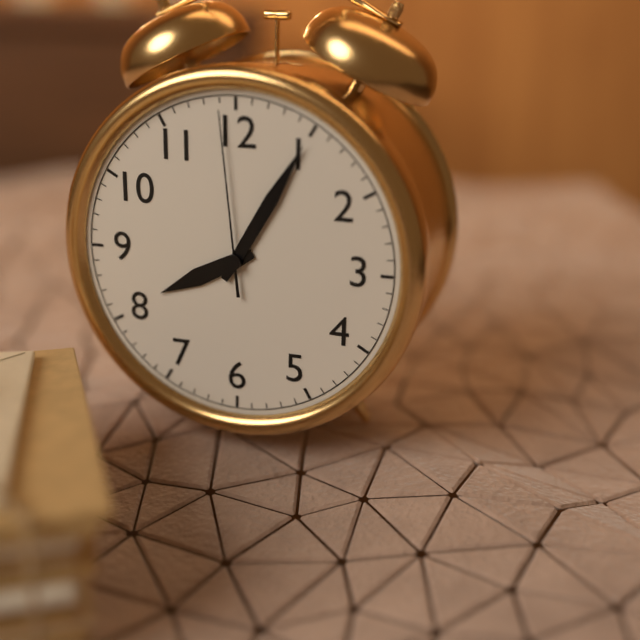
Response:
8h05m59s
